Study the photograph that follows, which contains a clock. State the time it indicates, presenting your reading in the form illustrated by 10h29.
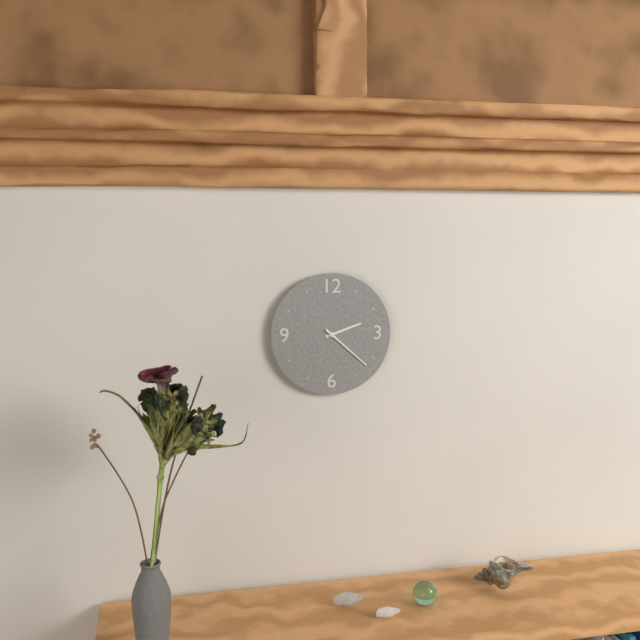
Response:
2h22
